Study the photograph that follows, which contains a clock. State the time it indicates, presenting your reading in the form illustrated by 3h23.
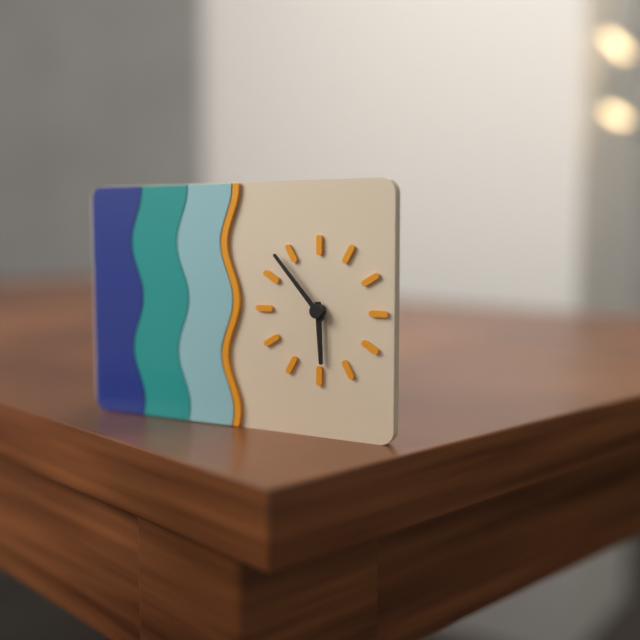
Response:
5h53
